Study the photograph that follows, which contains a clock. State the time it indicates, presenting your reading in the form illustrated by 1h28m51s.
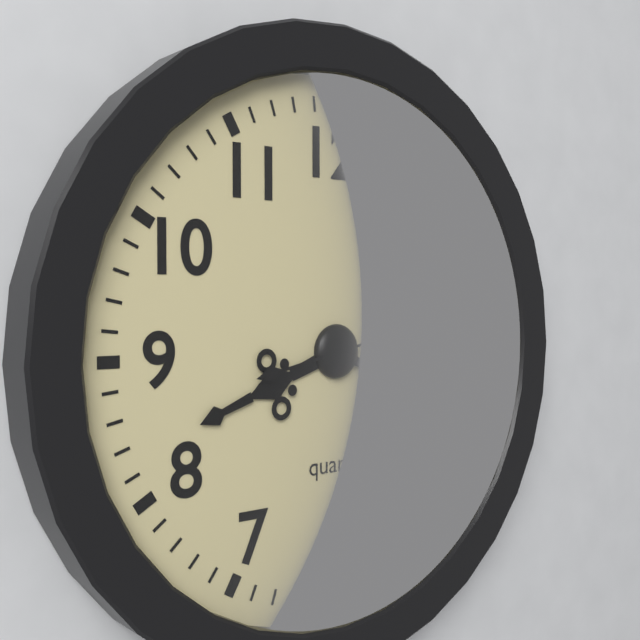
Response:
8h19m13s
